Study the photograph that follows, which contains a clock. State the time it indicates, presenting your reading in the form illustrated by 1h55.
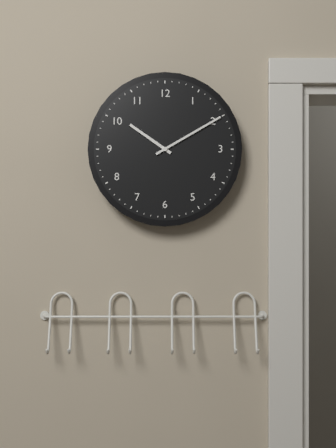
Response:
10h10
